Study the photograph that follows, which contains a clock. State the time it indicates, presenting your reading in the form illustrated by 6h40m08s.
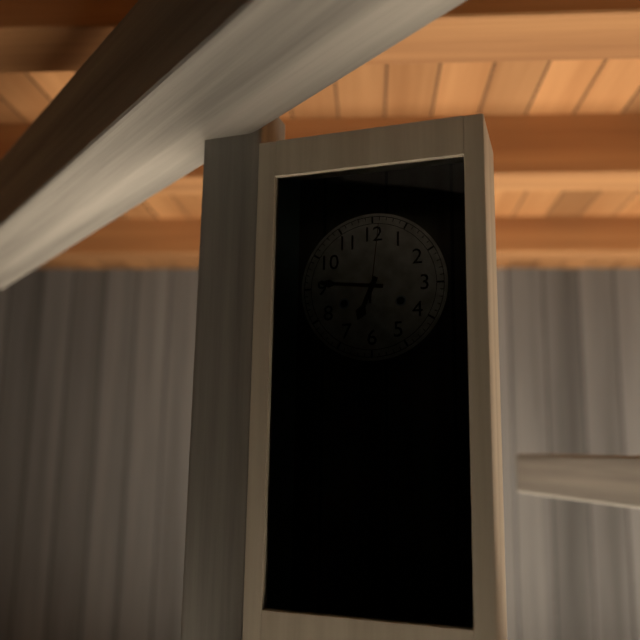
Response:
6h46m01s
